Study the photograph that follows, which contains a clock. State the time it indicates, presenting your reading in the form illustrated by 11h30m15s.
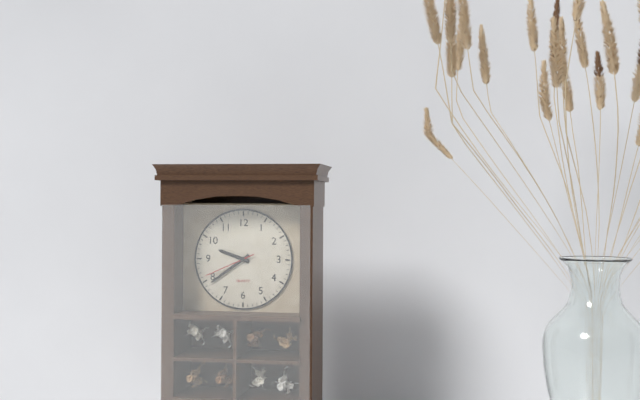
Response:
9h39m41s
